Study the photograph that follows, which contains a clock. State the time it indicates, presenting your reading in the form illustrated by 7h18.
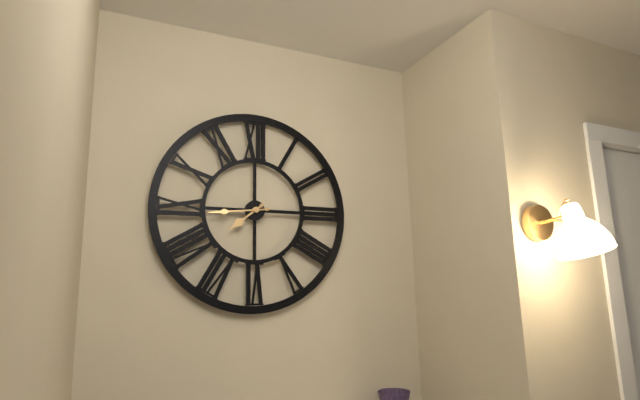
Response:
7h44
